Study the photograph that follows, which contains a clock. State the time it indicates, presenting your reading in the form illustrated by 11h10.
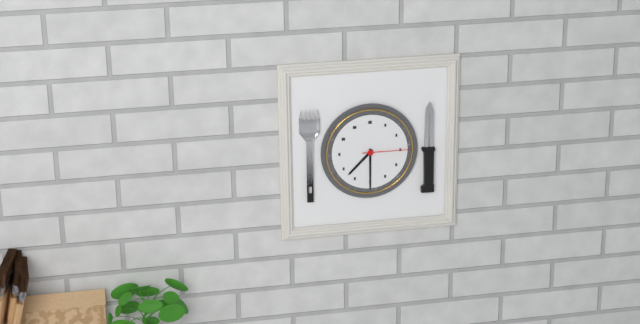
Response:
7h30
